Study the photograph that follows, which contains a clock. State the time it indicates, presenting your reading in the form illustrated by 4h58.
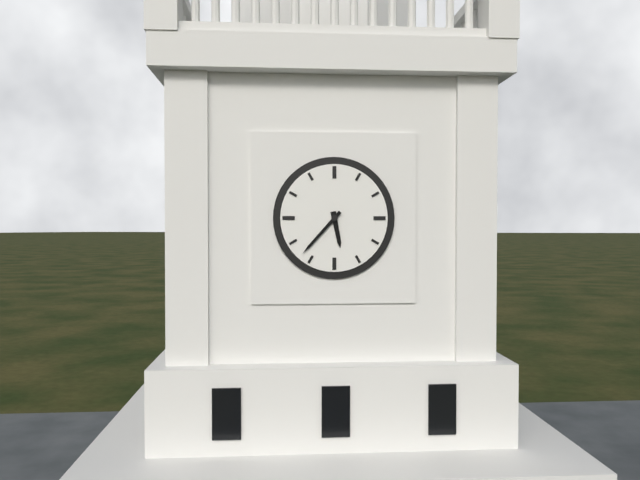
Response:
5h37
